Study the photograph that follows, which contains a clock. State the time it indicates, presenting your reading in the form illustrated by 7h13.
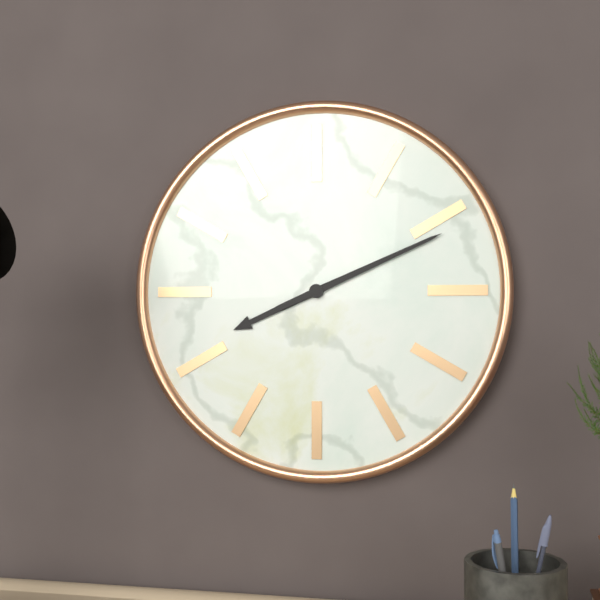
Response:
8h11
